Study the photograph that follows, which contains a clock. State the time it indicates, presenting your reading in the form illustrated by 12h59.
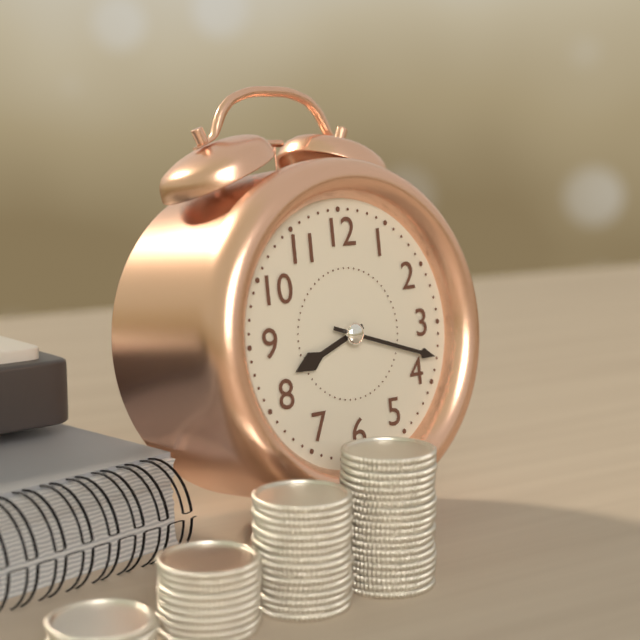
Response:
8h18
